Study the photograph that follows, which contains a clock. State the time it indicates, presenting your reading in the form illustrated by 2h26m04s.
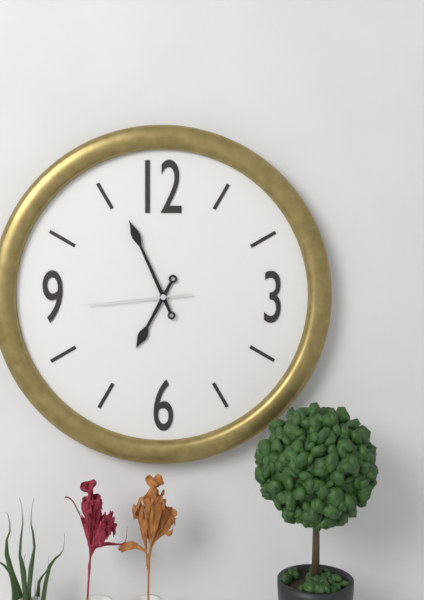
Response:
6h56m44s
